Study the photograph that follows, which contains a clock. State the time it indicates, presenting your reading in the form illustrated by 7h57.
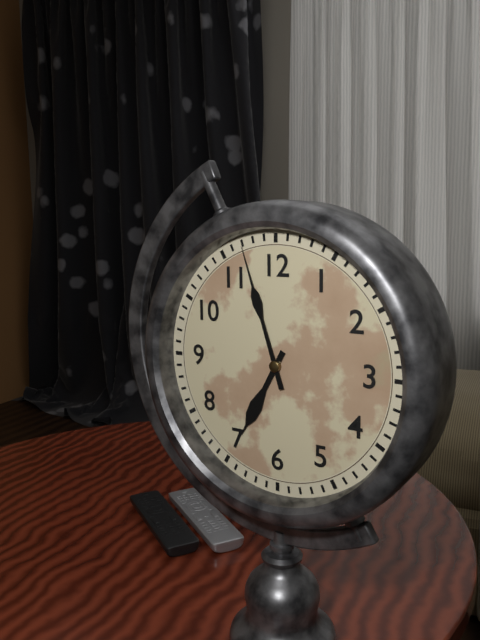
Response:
6h57
